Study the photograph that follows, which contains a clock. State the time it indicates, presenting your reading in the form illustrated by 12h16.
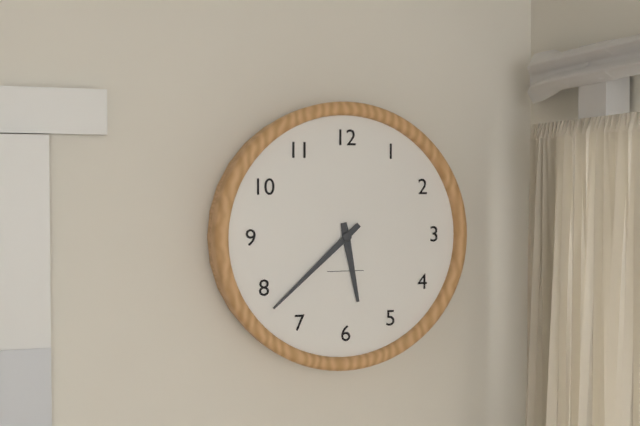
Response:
5h38
